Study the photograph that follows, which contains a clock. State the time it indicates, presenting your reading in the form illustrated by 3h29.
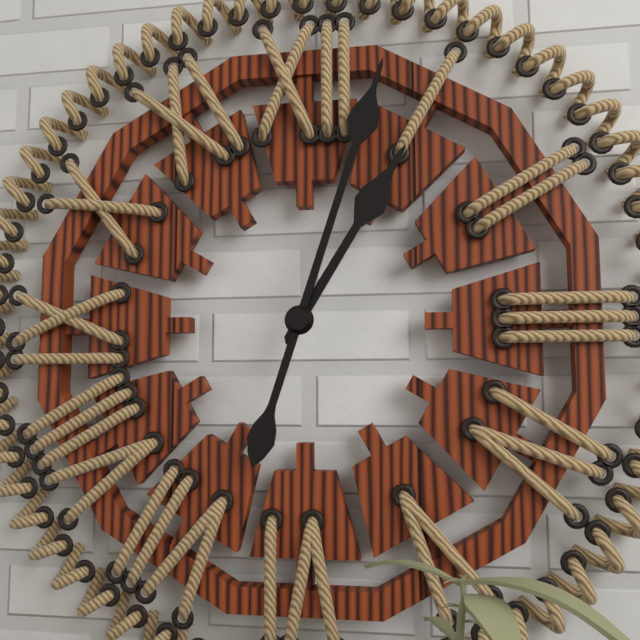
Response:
1h03
